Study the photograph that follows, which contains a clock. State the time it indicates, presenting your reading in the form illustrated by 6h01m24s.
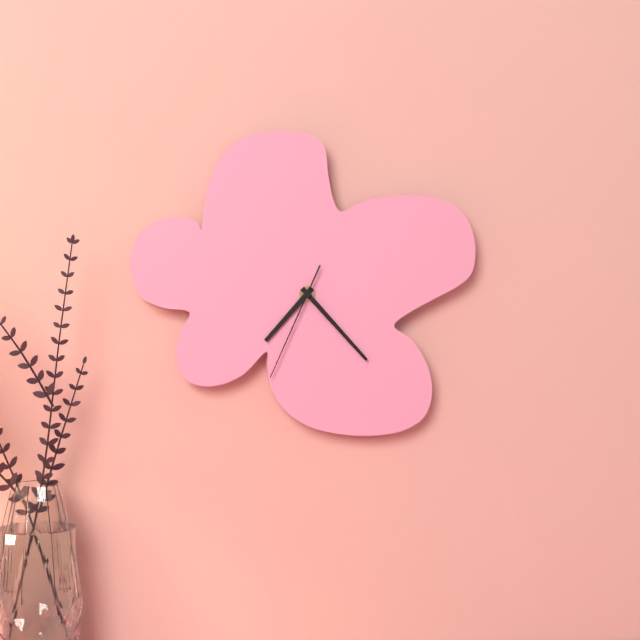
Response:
7h23m34s
